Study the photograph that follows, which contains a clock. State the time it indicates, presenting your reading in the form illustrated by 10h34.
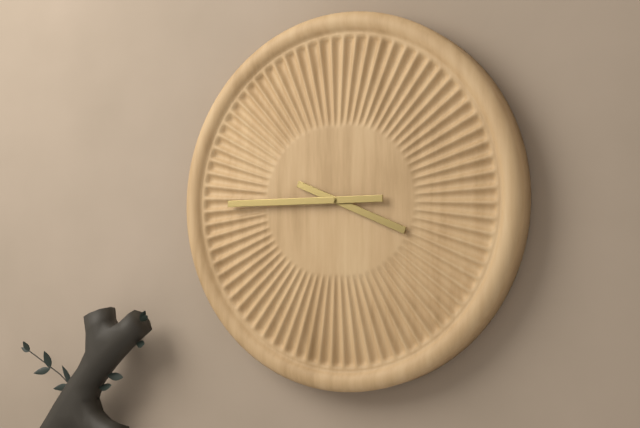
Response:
3h45
